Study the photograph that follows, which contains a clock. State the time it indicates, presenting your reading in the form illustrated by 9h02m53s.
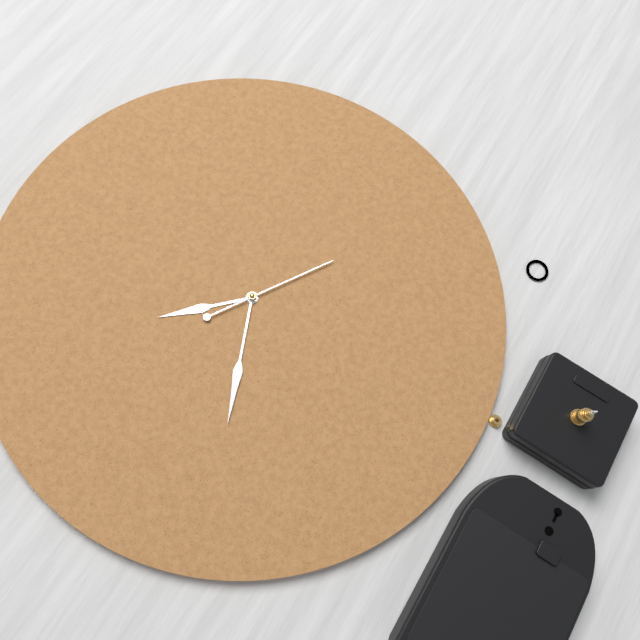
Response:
7h26m05s
